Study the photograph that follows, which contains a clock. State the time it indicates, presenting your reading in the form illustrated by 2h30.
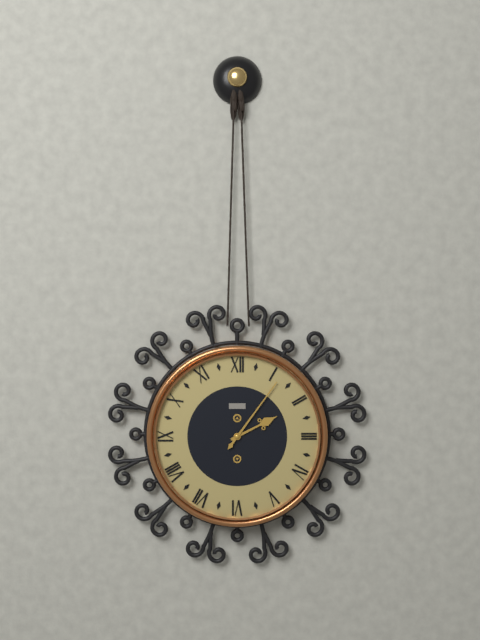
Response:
2h06
